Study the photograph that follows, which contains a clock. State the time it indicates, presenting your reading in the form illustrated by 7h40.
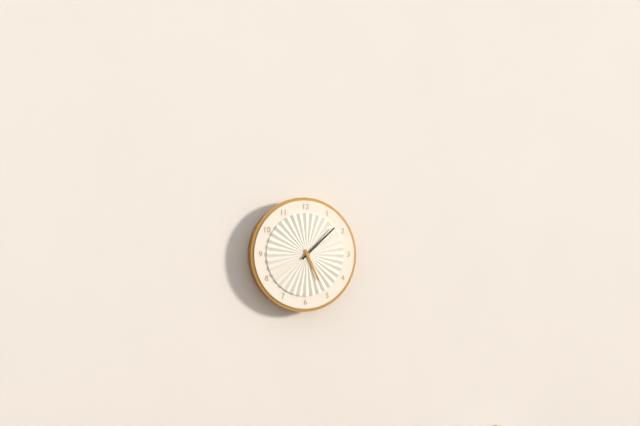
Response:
5h08
